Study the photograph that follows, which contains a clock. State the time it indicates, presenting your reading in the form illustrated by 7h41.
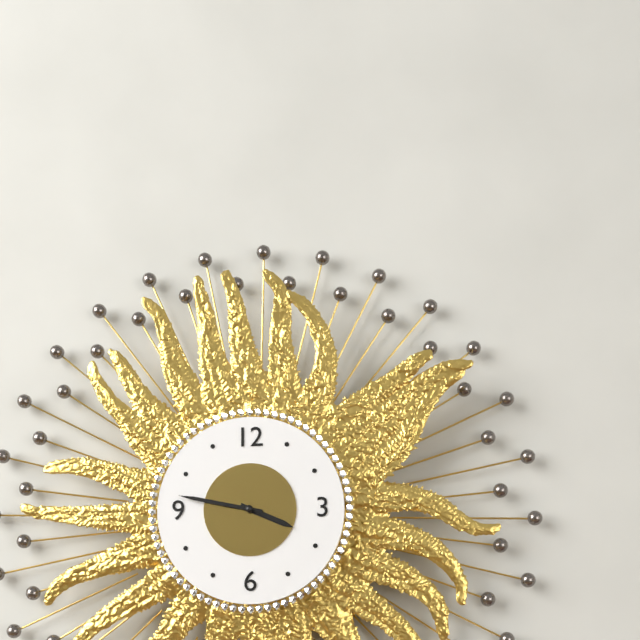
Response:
3h47
